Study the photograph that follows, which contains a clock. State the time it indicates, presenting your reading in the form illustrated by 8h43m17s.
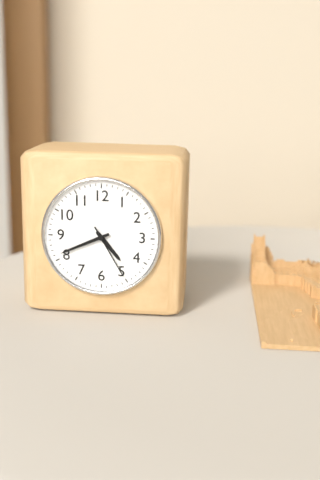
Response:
4h41m25s
